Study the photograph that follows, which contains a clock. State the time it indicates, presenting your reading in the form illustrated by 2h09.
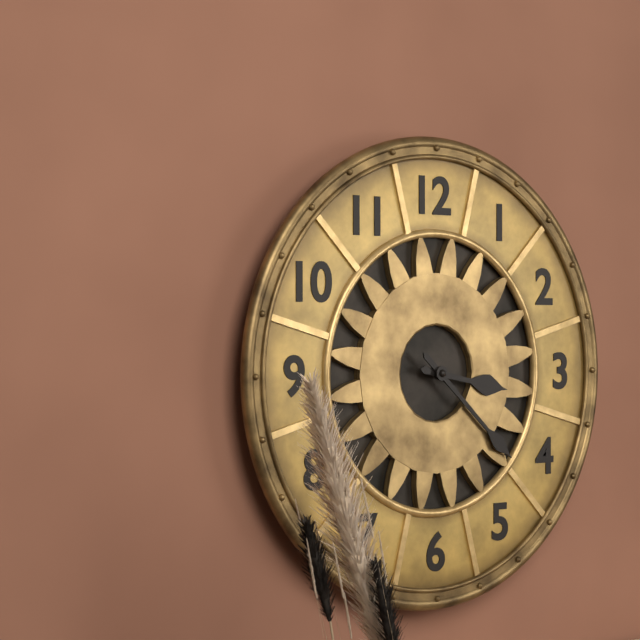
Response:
3h22
